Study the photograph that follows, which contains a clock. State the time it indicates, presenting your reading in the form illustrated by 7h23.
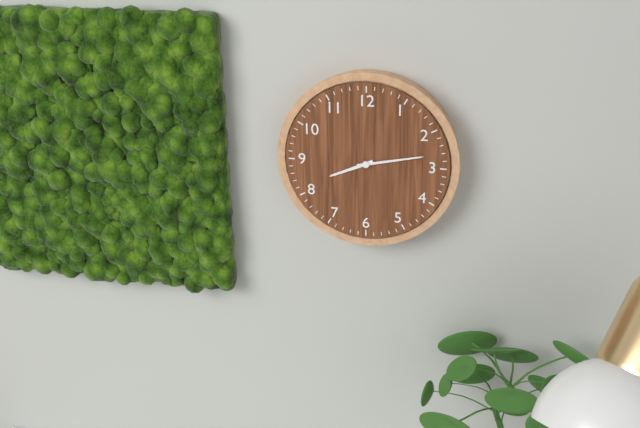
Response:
8h13
